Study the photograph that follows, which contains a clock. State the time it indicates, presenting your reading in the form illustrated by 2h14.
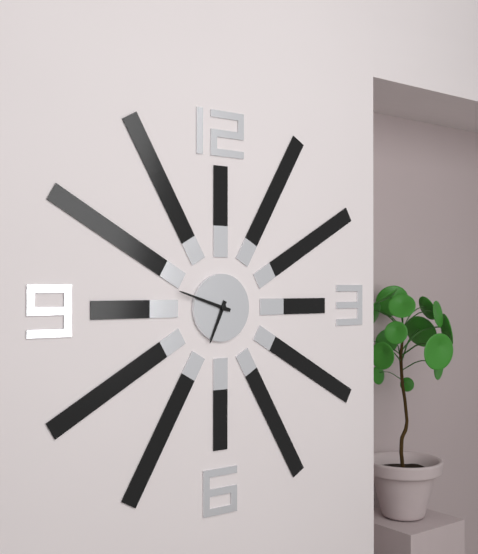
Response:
6h48
